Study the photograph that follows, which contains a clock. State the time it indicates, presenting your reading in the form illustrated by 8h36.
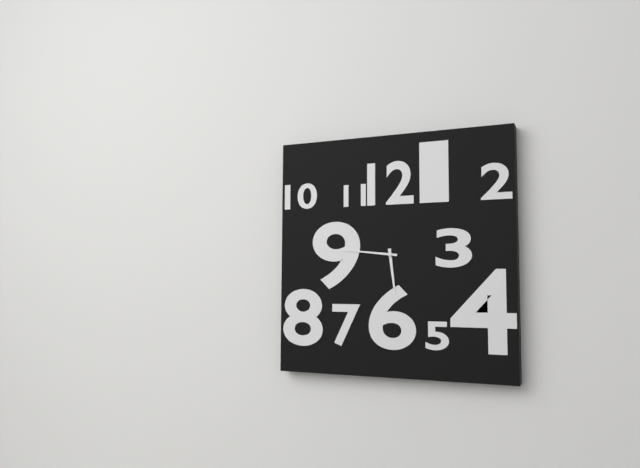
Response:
5h46
